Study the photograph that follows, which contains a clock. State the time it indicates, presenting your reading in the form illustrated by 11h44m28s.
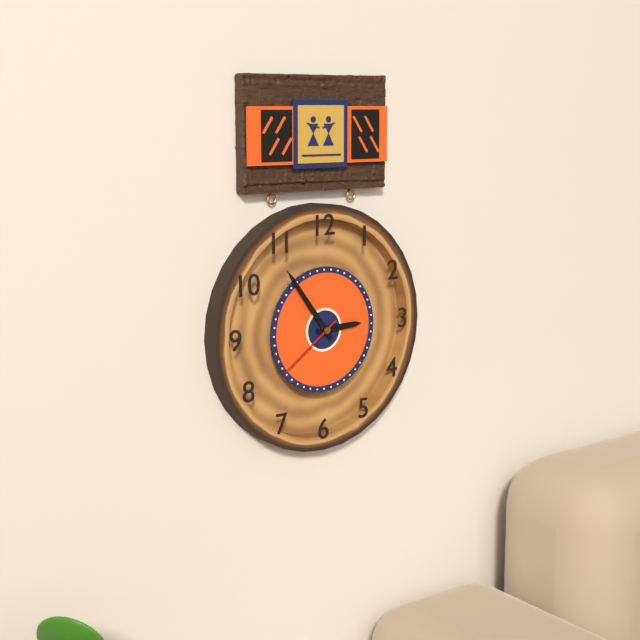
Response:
2h54m39s
